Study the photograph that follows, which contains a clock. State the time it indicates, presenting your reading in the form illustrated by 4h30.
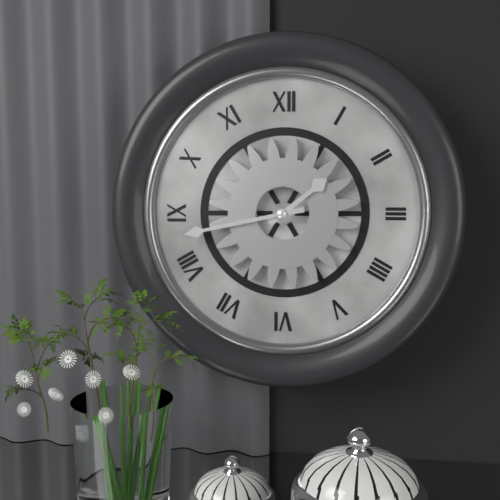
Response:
1h43
